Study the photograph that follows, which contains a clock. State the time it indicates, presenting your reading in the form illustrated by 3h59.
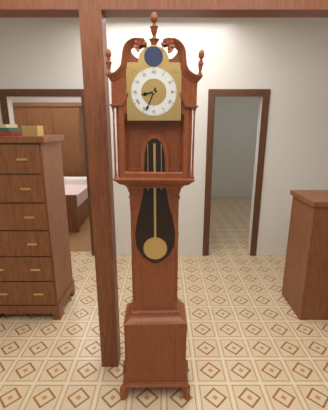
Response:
8h34
